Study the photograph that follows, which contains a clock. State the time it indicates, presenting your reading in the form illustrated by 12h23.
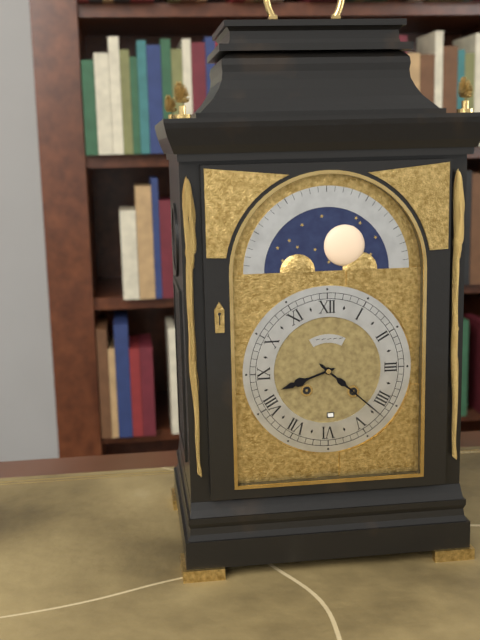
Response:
8h22
